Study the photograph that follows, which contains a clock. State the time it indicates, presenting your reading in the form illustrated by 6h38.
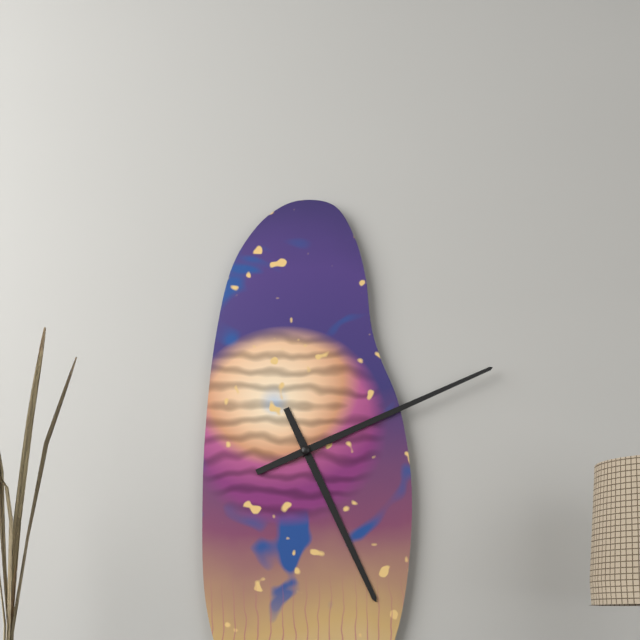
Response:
5h11
